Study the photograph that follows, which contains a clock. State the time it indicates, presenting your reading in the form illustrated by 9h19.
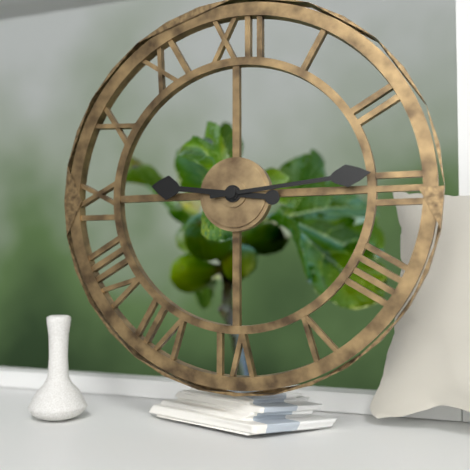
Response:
9h14
